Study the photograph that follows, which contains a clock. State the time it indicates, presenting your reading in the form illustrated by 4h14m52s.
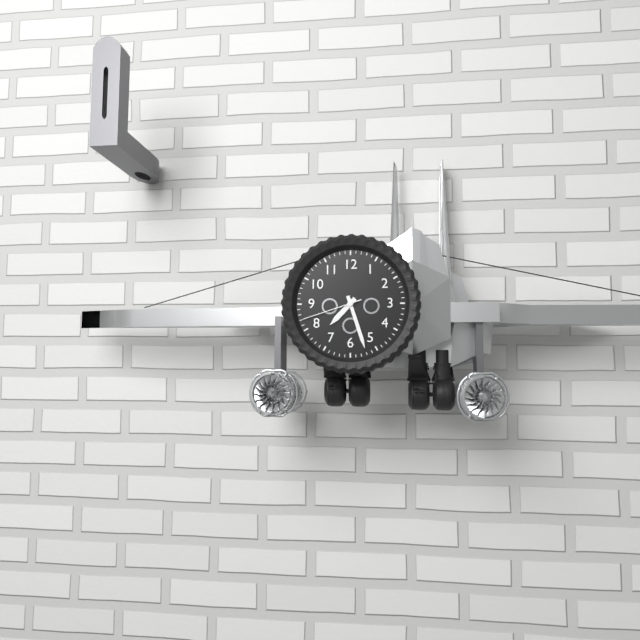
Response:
7h27m42s
